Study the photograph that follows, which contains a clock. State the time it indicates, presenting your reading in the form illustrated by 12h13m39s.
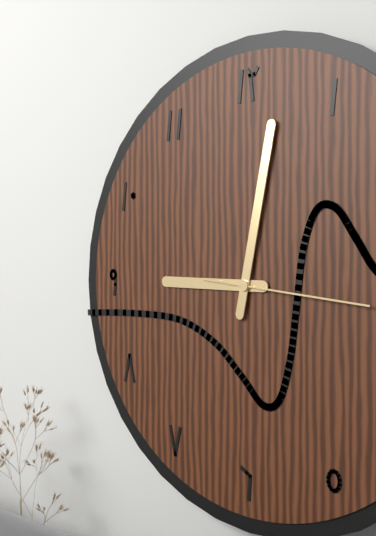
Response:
9h02m16s
